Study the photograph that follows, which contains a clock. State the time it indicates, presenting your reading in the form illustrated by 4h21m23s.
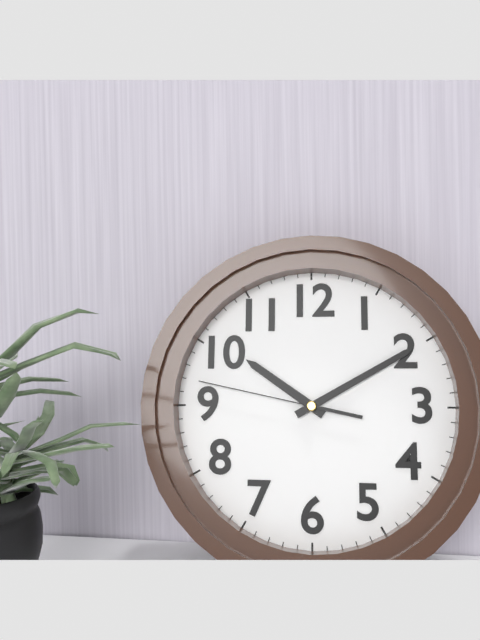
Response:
10h10m47s
